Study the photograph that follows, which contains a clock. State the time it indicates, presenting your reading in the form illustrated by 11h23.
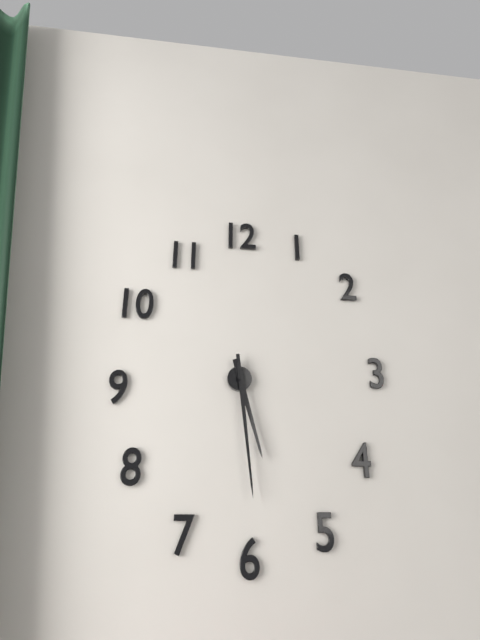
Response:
5h29
